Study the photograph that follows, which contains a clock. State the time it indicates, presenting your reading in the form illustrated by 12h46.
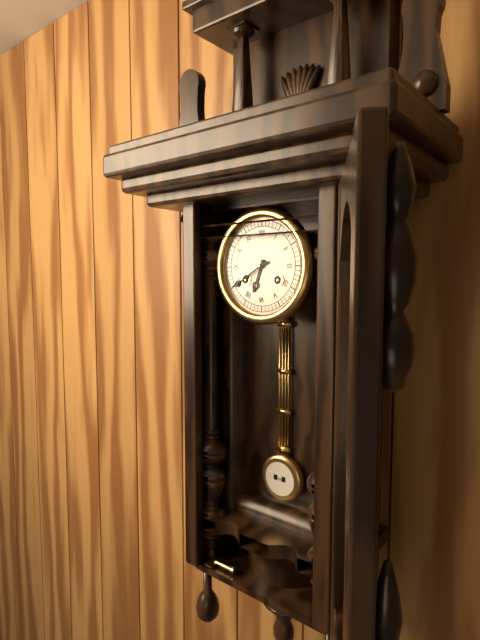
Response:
6h40
